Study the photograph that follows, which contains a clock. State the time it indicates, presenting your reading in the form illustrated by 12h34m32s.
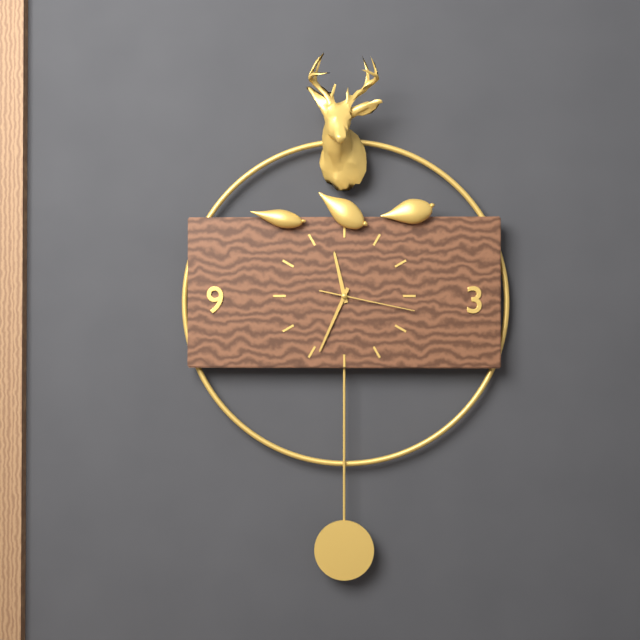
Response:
11h34m17s
